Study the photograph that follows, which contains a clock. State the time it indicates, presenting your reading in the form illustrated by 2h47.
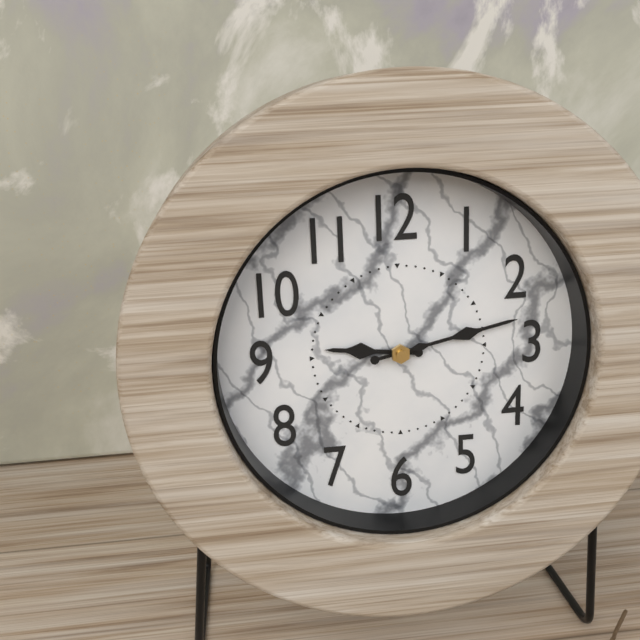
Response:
9h13
